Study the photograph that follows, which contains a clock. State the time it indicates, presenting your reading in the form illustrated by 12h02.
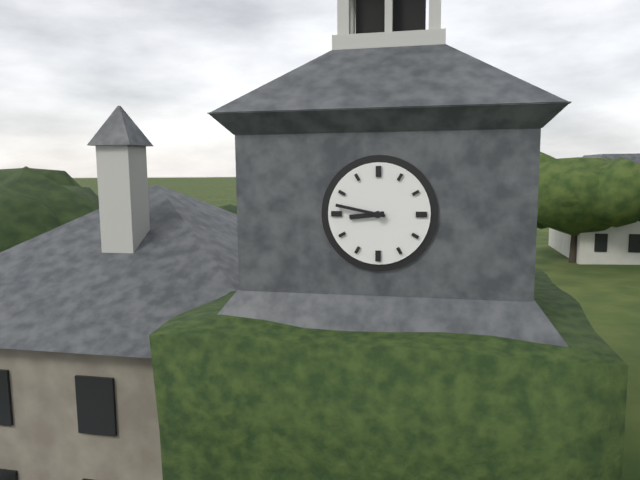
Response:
8h47
